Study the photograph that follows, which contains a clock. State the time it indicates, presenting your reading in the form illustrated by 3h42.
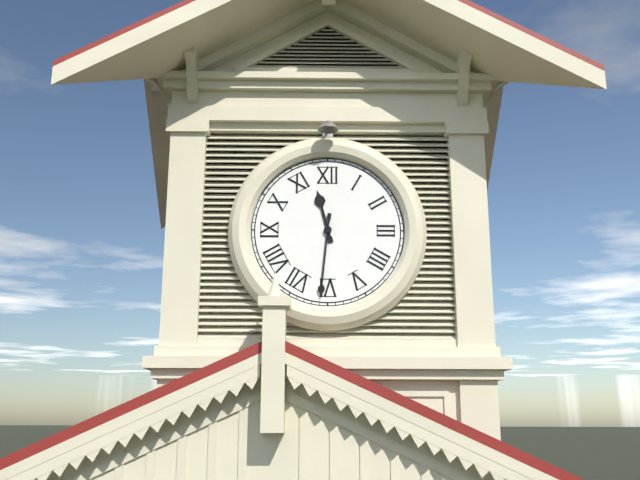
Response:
11h31
